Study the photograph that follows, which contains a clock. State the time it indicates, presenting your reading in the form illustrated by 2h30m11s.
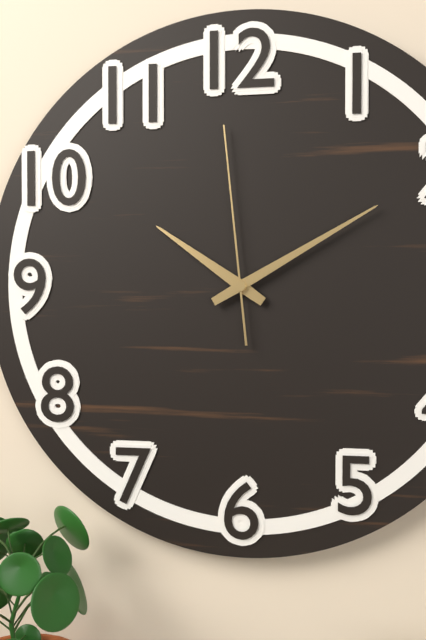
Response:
10h10m59s
